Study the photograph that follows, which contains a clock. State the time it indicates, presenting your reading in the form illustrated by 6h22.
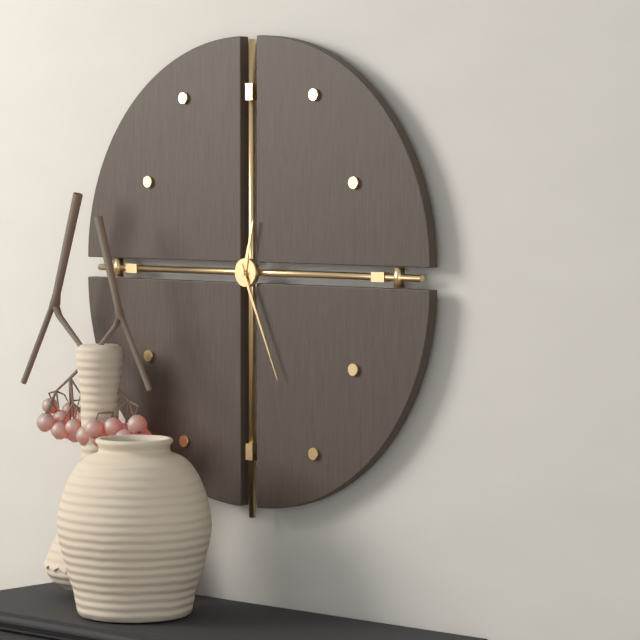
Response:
12h26
